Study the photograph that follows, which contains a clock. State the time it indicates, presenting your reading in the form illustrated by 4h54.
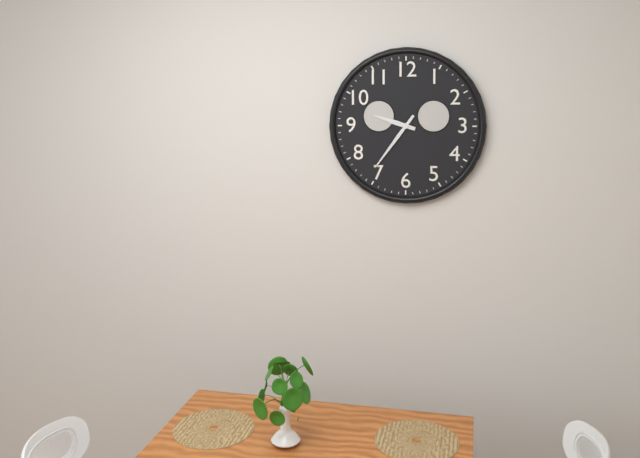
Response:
9h36
